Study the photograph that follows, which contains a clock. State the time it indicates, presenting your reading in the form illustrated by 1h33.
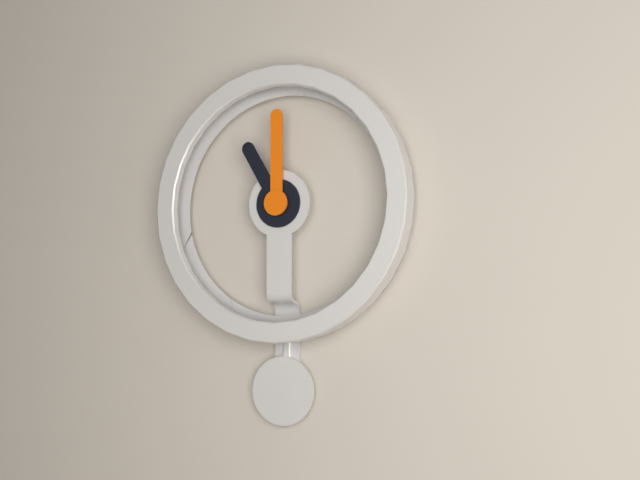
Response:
11h00
